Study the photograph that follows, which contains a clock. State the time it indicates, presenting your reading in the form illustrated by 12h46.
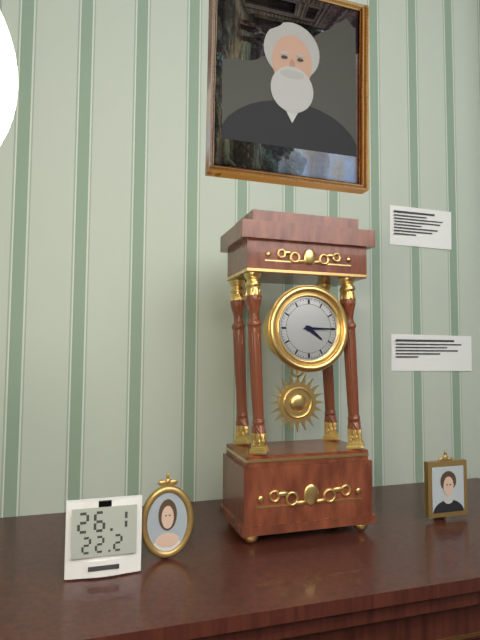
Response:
4h15
